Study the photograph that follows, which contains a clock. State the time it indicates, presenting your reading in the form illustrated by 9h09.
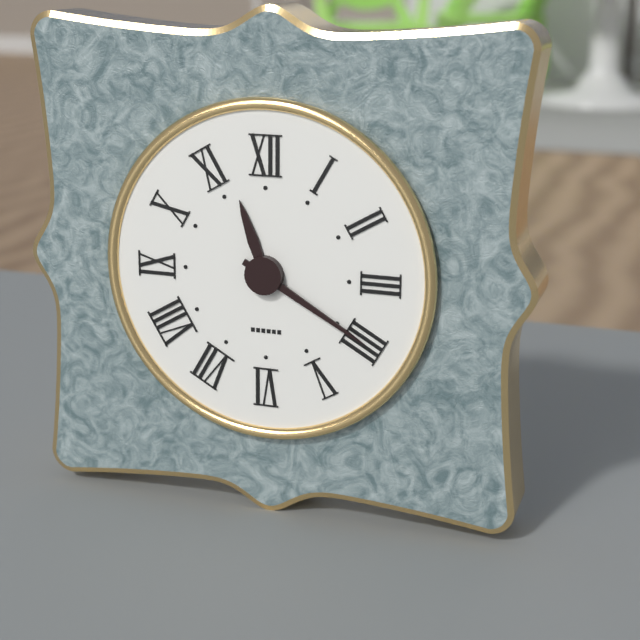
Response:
11h20
